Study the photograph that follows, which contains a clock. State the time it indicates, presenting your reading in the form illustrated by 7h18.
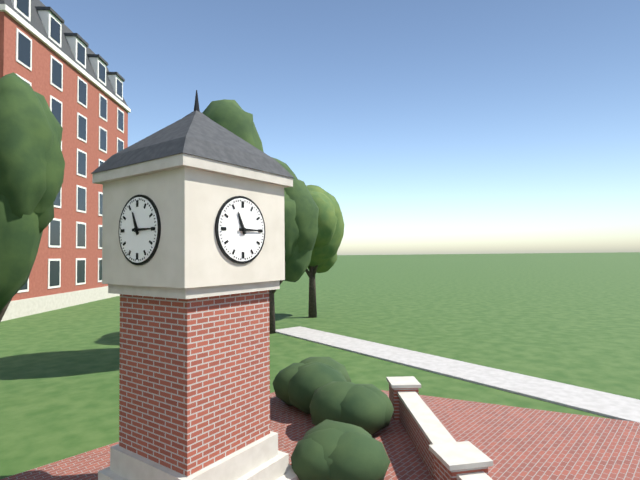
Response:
11h15
